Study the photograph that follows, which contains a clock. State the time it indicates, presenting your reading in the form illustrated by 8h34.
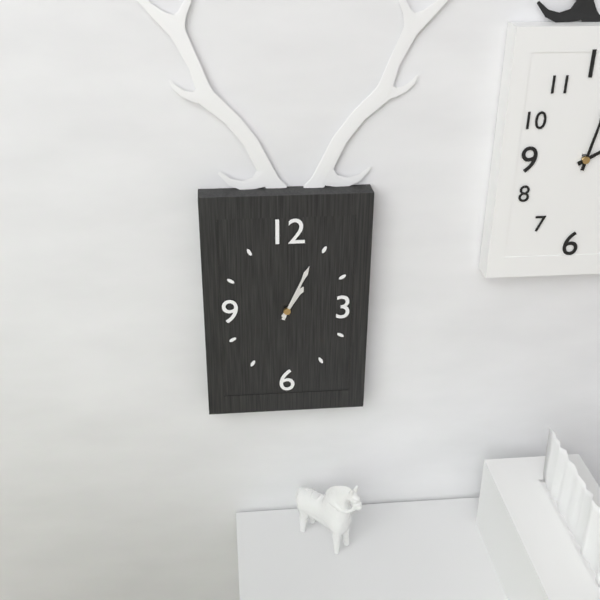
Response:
1h04
